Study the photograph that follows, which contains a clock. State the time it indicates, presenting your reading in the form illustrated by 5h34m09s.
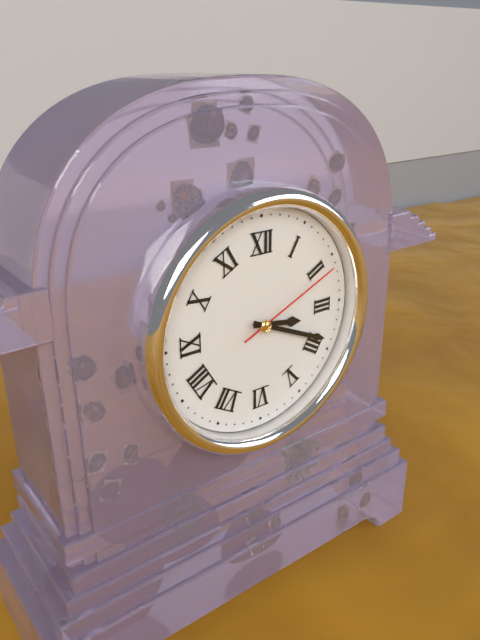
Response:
3h19m11s
